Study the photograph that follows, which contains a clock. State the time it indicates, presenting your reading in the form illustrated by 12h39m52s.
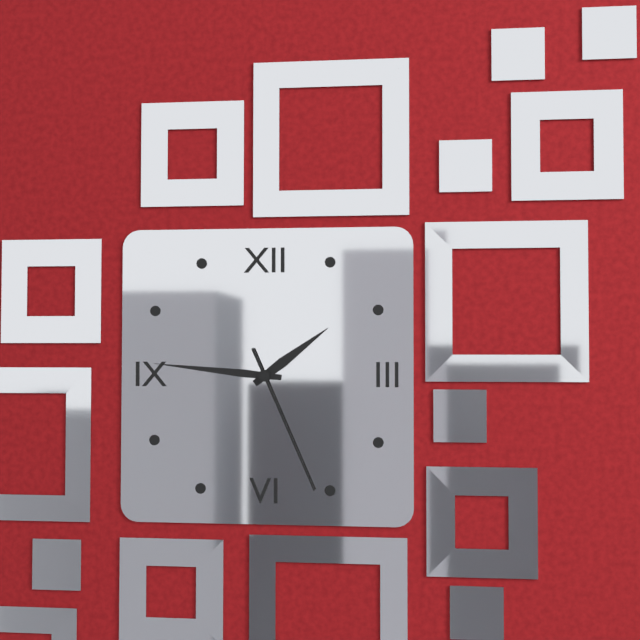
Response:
1h46m26s
